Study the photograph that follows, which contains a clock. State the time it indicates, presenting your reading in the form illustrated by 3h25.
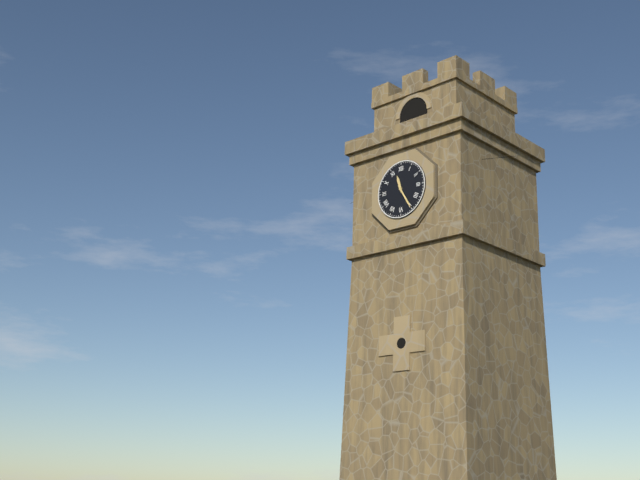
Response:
11h25
